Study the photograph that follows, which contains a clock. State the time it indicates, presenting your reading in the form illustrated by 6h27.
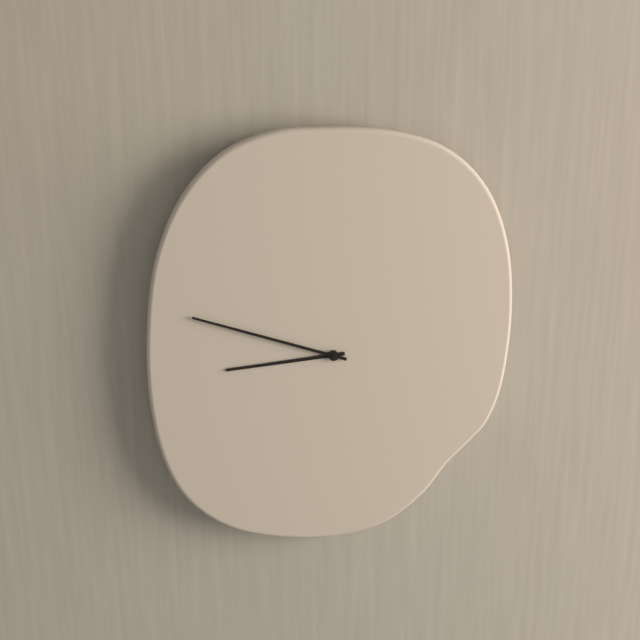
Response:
8h48
